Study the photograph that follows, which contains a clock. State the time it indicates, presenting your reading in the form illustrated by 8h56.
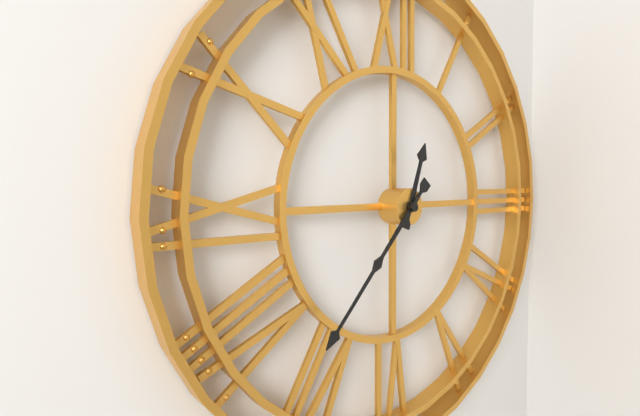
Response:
12h37
